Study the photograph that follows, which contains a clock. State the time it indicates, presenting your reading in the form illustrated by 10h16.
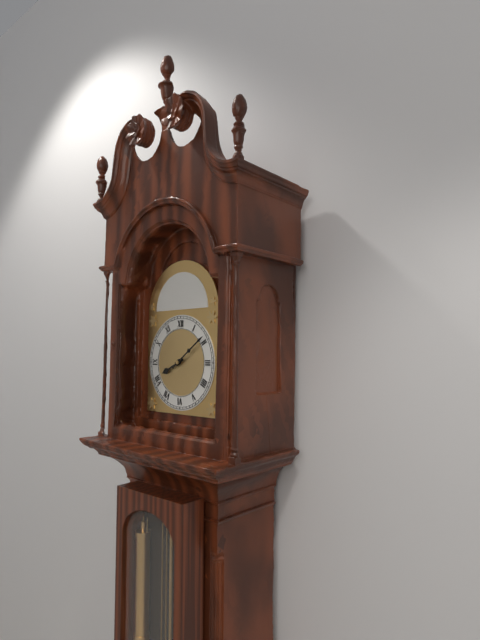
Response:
8h09
